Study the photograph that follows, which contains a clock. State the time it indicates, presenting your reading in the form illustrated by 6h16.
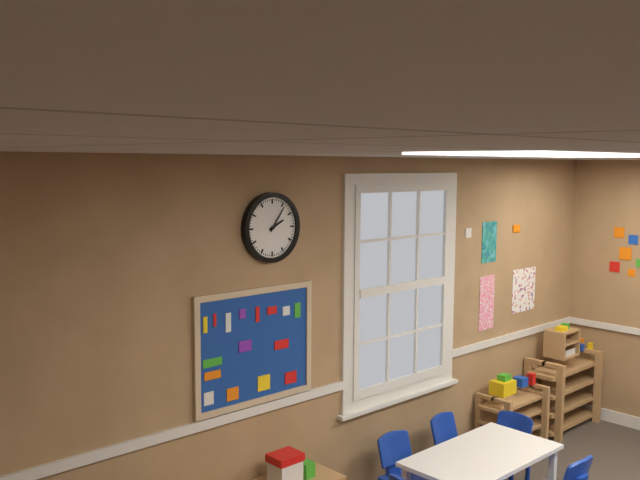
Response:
2h06
